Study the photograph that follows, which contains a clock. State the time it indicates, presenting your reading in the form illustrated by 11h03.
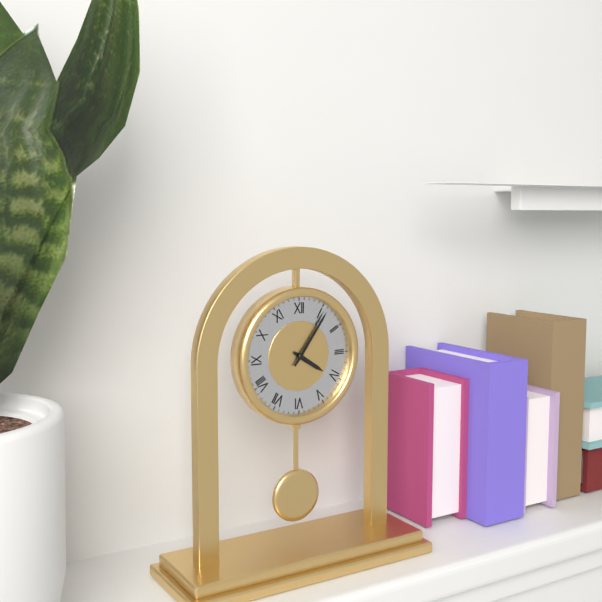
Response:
4h06
